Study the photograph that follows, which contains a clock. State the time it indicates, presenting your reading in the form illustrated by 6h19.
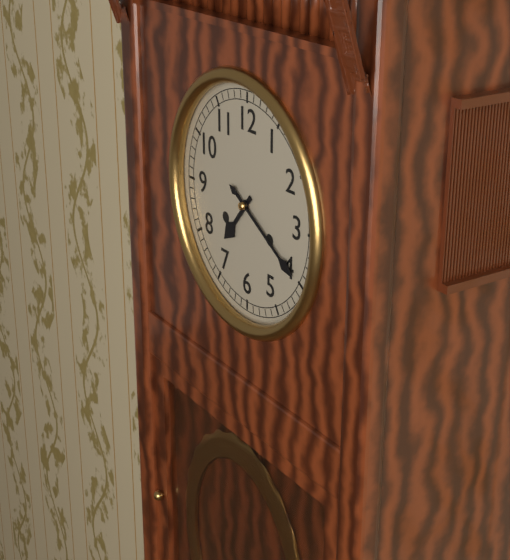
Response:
7h20
